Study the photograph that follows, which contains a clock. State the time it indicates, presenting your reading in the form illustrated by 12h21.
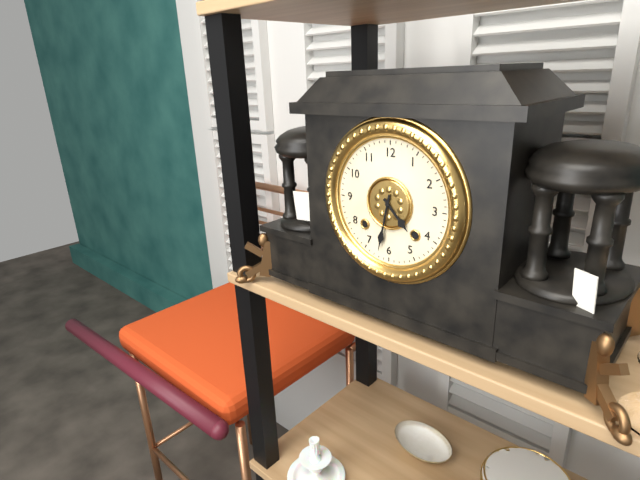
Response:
4h32
